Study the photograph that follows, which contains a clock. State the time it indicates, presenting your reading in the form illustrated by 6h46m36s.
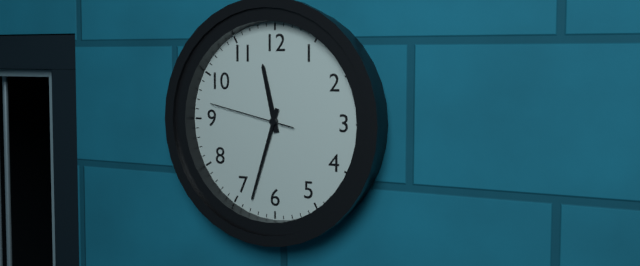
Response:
11h33m47s
